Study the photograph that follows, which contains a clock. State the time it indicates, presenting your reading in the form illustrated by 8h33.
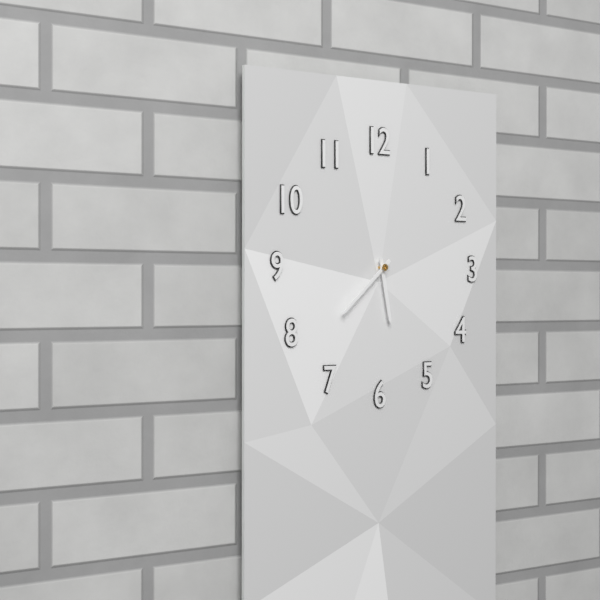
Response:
5h38
